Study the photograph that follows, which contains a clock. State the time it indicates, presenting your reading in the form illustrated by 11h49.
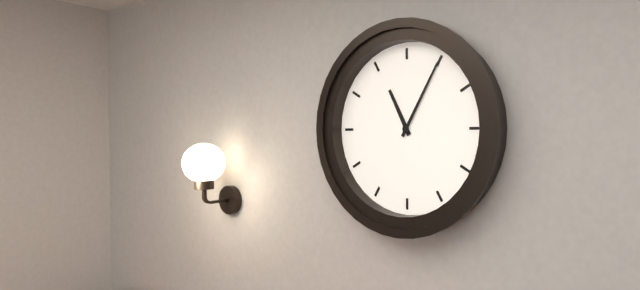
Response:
11h05
